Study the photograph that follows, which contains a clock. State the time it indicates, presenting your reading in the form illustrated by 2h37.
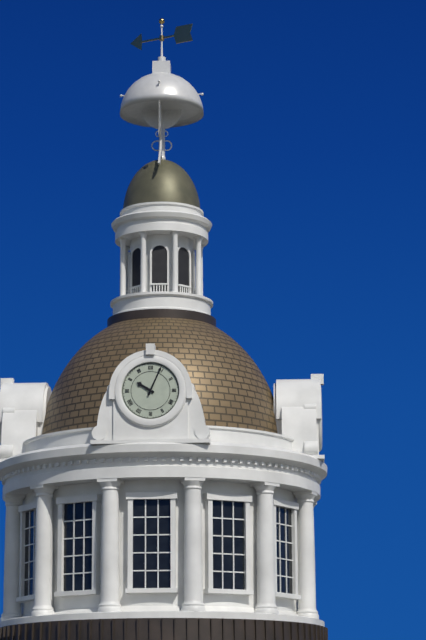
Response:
10h04
